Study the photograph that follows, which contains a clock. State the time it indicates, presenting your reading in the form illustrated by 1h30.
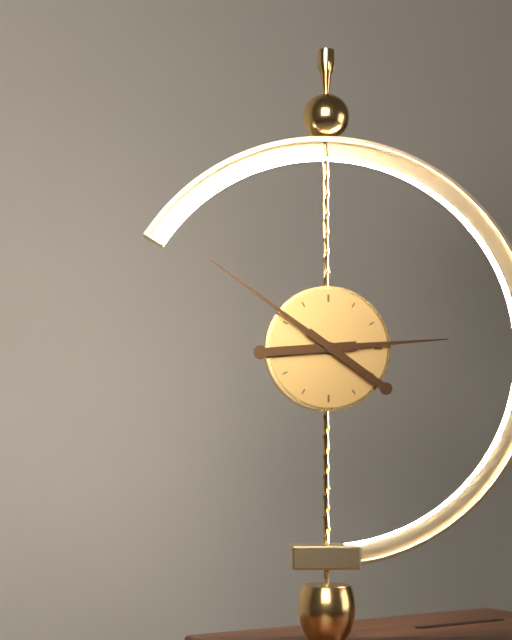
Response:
2h51
